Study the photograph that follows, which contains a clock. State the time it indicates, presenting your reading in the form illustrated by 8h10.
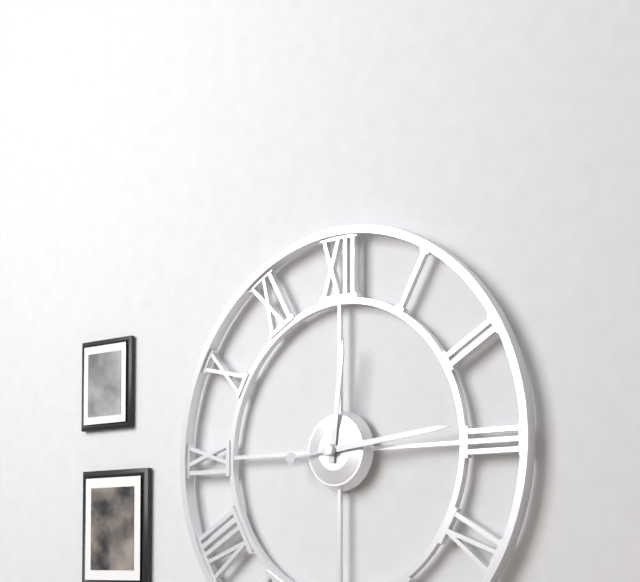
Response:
12h14
